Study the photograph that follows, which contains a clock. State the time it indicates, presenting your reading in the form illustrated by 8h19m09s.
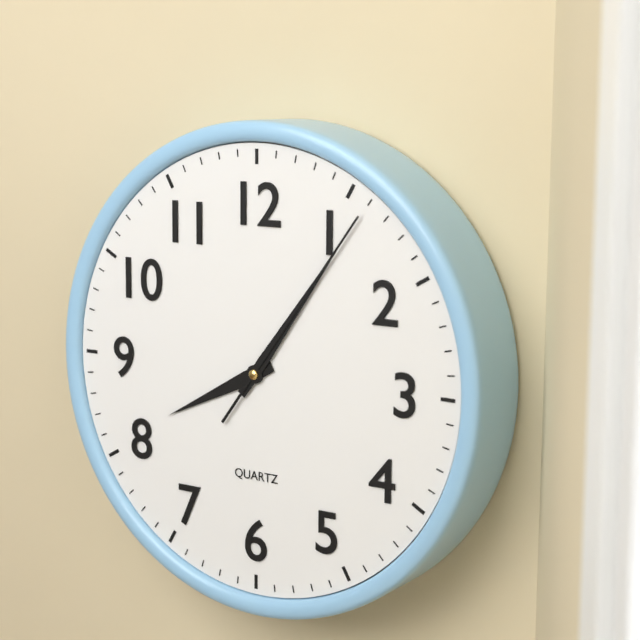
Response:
8h06m06s
